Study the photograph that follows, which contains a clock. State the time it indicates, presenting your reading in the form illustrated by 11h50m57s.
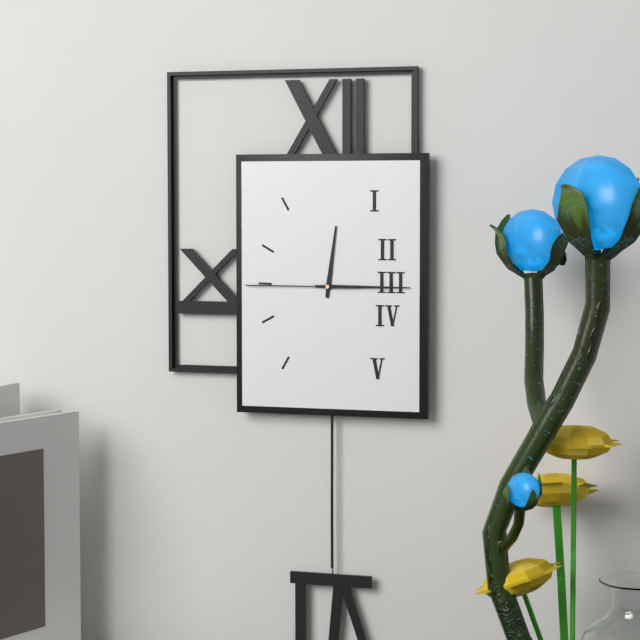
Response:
12h15m45s
